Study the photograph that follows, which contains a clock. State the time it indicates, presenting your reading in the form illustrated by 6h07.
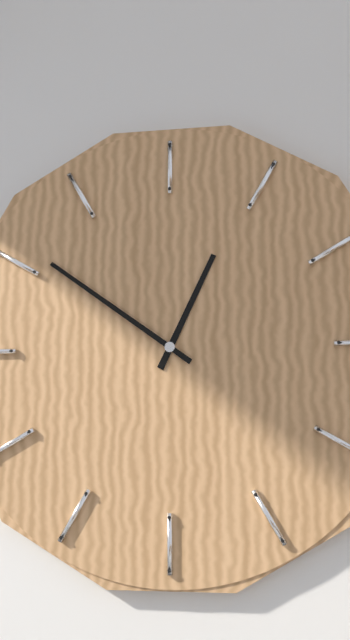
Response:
12h51
